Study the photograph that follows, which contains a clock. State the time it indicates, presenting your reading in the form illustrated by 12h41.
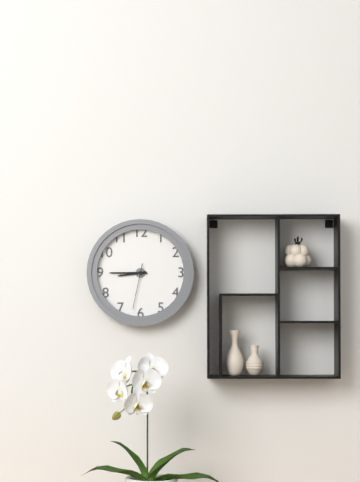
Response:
8h45
